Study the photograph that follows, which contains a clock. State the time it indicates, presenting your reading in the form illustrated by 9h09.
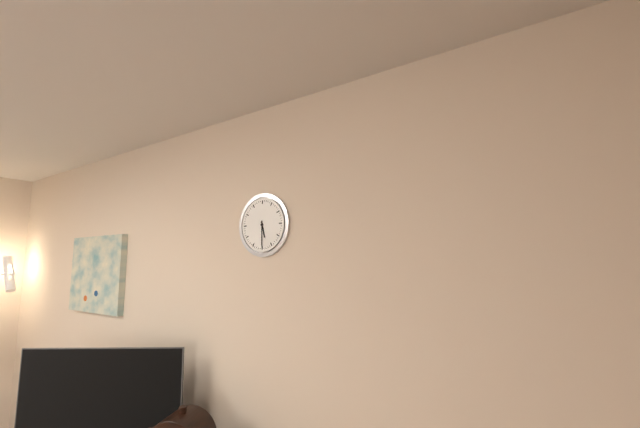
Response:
5h30
